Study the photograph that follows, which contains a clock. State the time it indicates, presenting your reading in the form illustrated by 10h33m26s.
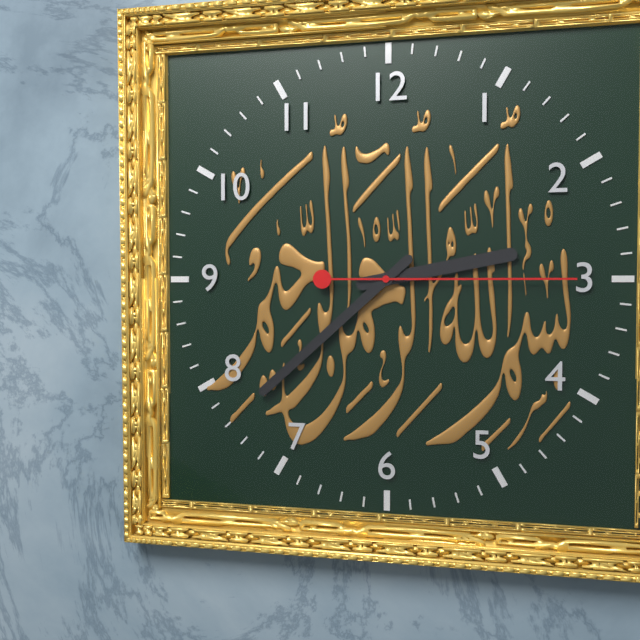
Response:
2h38m15s
